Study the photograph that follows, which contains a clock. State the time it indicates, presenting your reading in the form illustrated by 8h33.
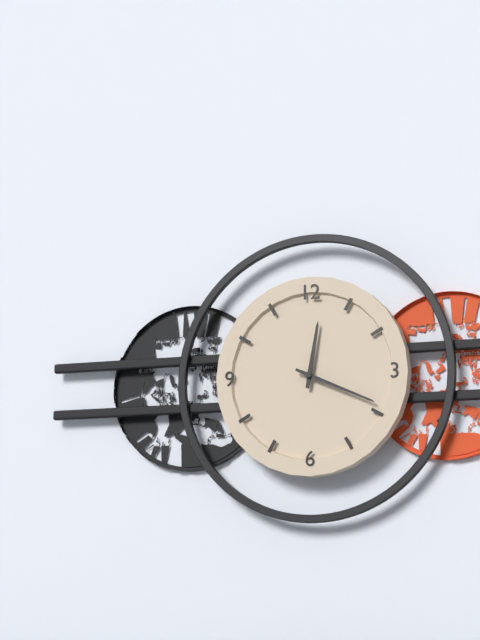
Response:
12h19
